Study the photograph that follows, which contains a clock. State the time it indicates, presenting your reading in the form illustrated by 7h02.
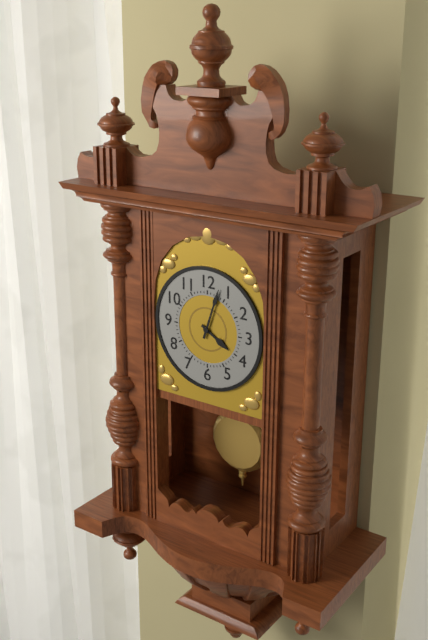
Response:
4h03
